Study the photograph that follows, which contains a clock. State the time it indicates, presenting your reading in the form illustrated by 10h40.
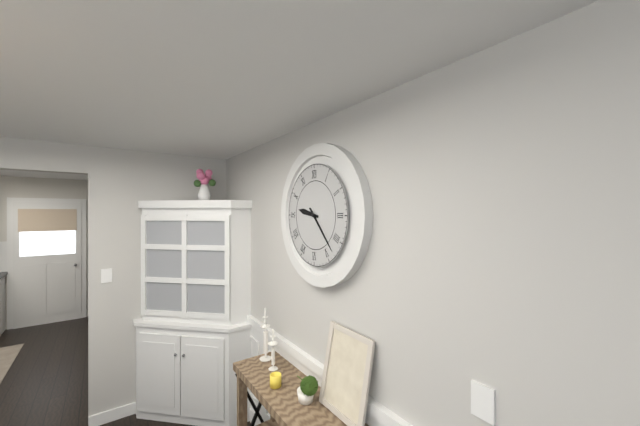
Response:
9h23
